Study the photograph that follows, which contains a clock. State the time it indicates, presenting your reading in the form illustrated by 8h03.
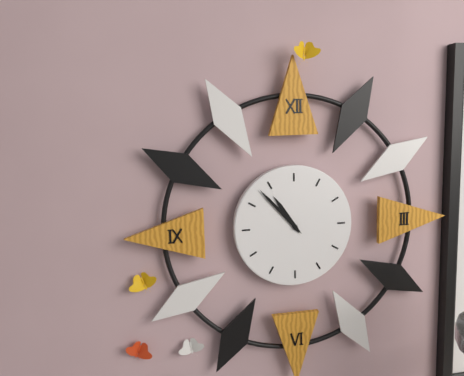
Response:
10h53
